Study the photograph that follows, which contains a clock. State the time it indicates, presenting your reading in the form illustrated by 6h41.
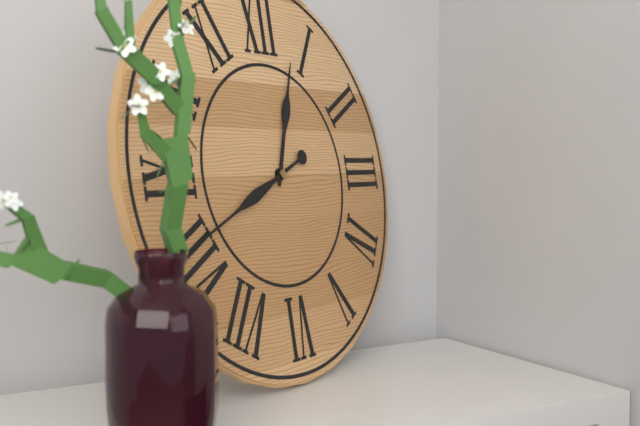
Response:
12h41
